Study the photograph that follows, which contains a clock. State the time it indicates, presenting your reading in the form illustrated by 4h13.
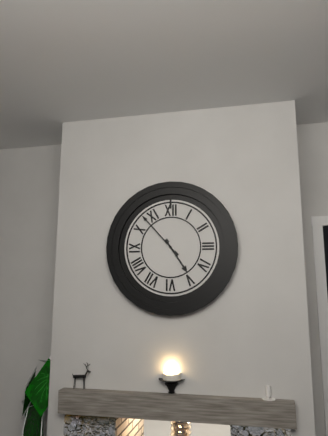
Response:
4h53
